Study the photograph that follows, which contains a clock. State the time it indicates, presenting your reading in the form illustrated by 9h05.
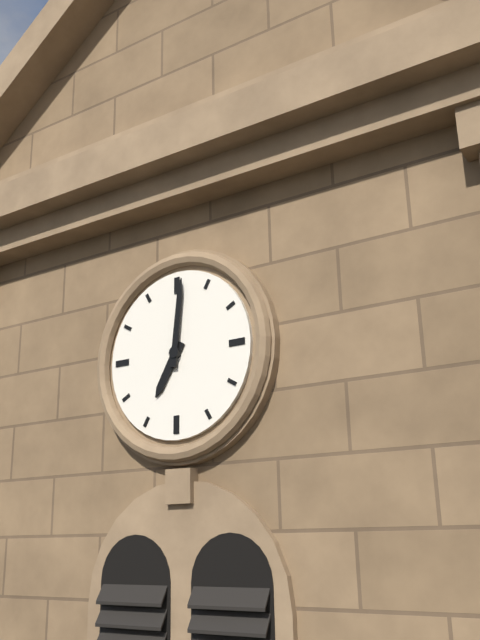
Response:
7h01
